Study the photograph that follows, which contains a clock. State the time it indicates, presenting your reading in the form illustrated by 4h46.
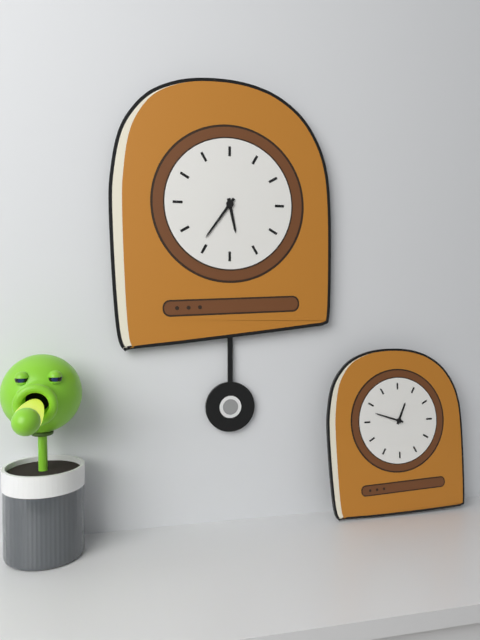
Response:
5h36
